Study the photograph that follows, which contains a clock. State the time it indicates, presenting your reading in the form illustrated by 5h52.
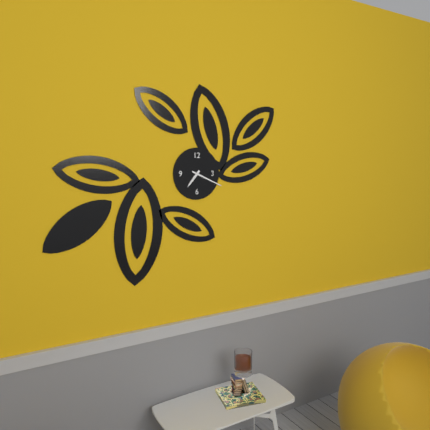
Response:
7h19
